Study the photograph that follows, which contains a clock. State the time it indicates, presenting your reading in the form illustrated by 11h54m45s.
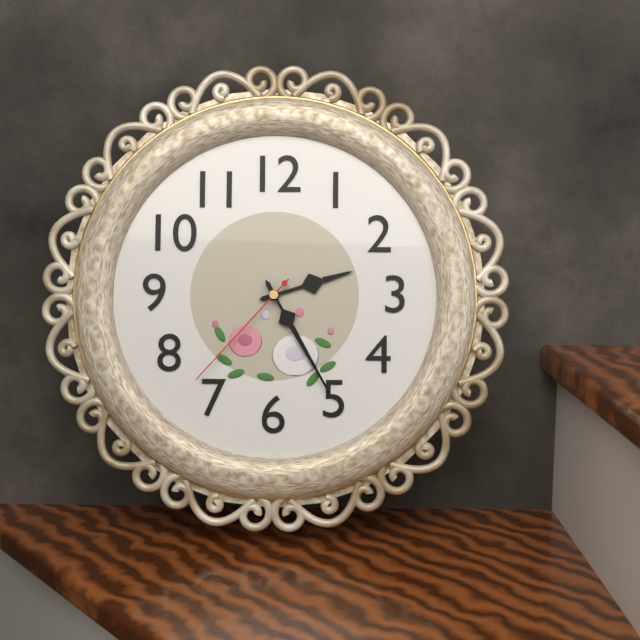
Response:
2h25m37s
